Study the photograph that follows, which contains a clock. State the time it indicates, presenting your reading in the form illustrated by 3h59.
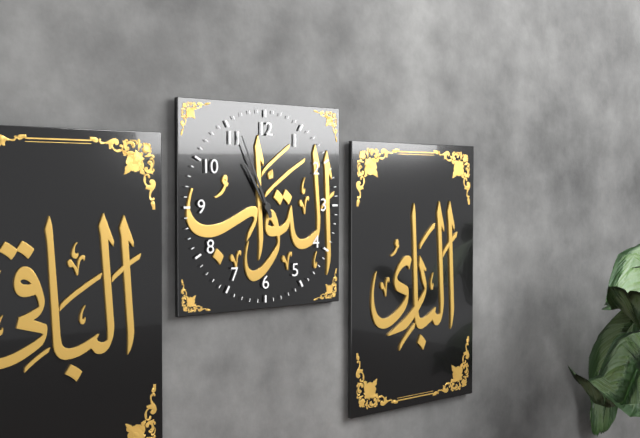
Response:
10h56
